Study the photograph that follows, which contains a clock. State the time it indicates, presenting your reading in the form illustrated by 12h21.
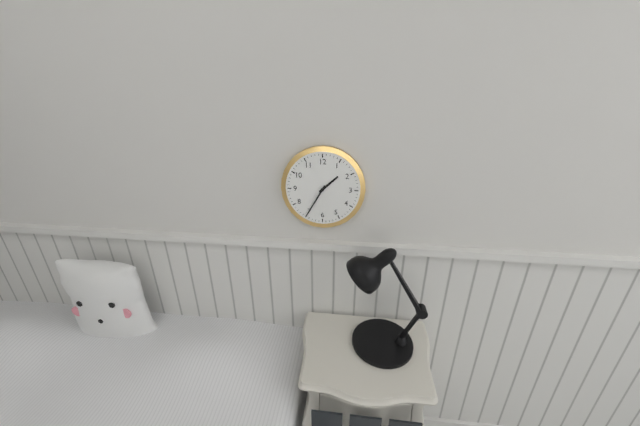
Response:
1h35
